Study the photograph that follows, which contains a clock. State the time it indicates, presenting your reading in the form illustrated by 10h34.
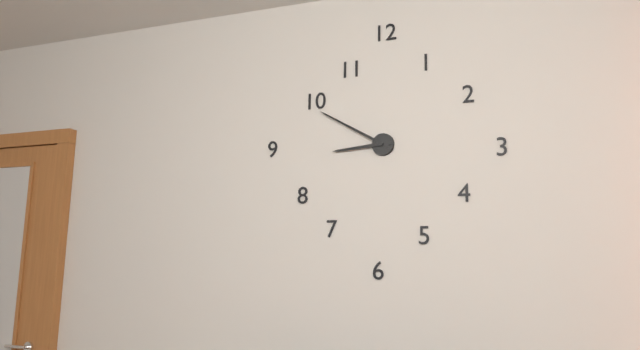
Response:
8h50
